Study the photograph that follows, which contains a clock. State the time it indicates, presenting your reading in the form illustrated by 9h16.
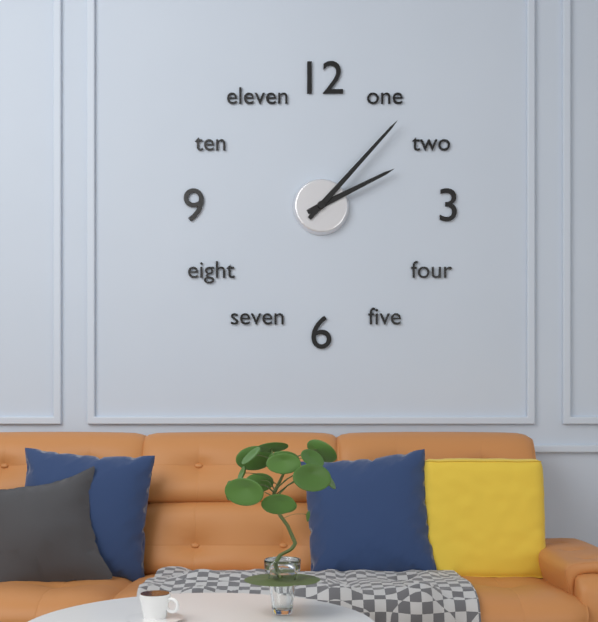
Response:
2h07
